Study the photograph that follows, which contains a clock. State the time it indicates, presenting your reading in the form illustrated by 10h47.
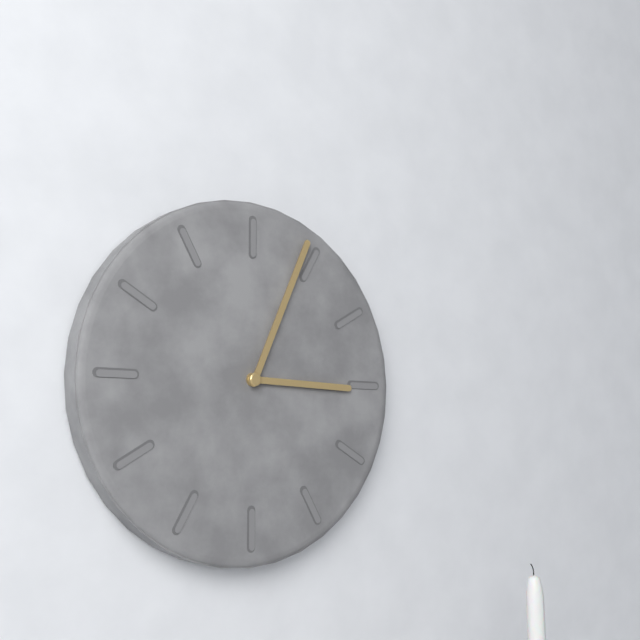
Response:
3h04
